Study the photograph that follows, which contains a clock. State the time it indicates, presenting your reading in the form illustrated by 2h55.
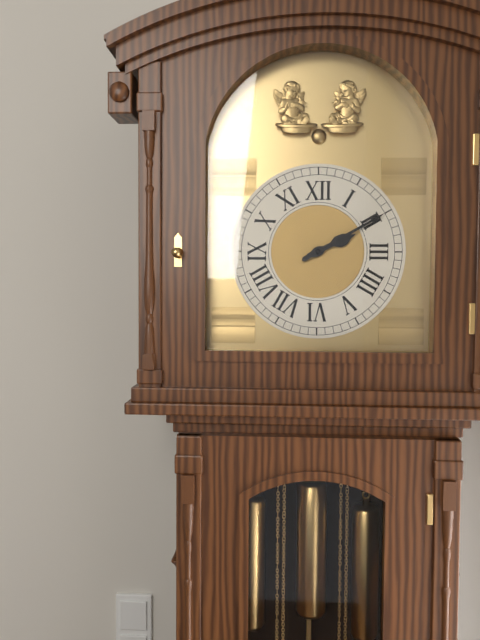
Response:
2h10
